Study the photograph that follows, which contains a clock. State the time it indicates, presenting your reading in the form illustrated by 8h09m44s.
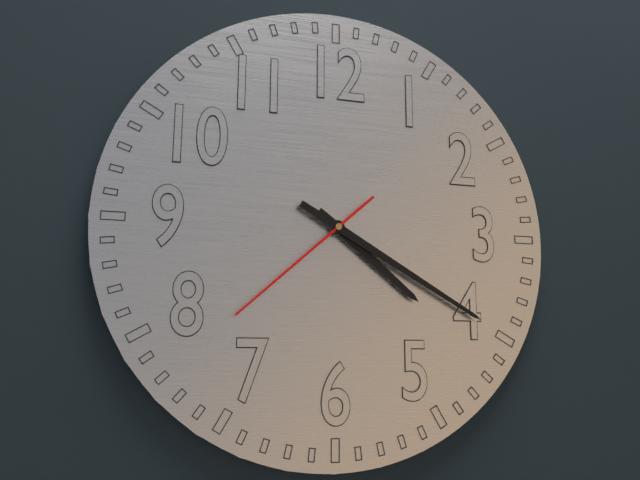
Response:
4h20m38s
